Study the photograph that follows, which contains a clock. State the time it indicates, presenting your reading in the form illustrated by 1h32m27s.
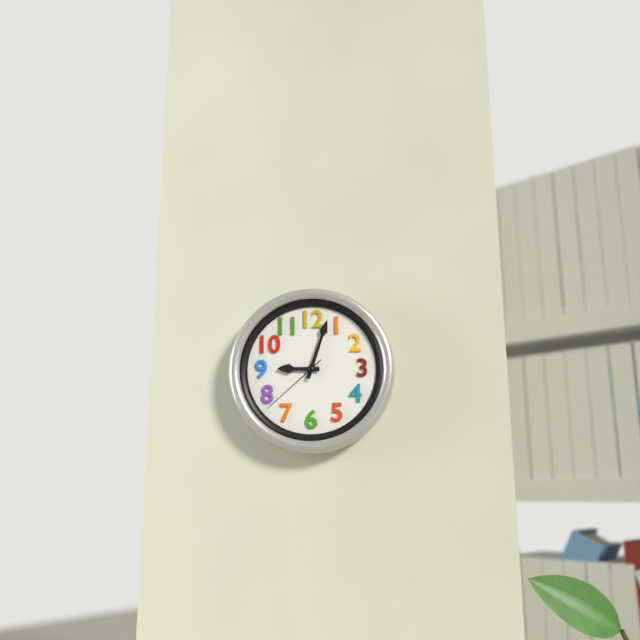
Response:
9h03m38s
